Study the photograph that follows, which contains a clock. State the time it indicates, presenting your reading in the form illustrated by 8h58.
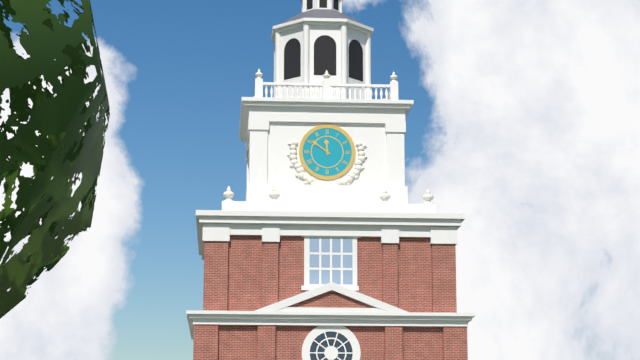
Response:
11h51
